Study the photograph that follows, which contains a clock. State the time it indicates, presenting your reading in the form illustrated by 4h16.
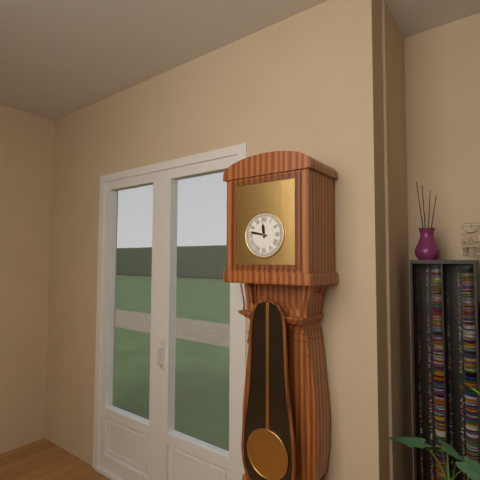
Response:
11h47
